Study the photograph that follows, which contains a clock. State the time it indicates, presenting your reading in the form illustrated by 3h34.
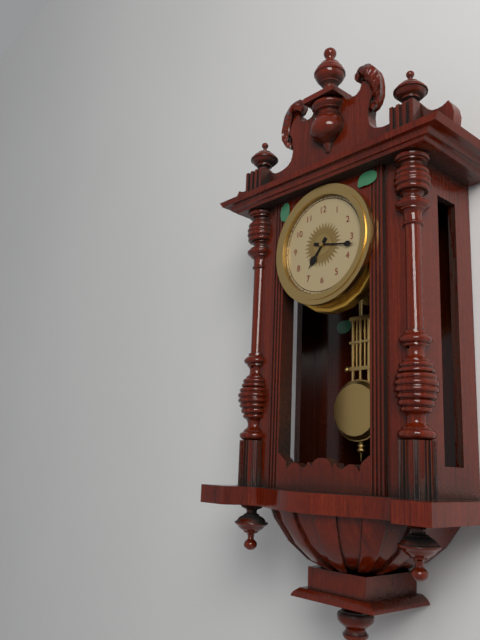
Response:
7h17
